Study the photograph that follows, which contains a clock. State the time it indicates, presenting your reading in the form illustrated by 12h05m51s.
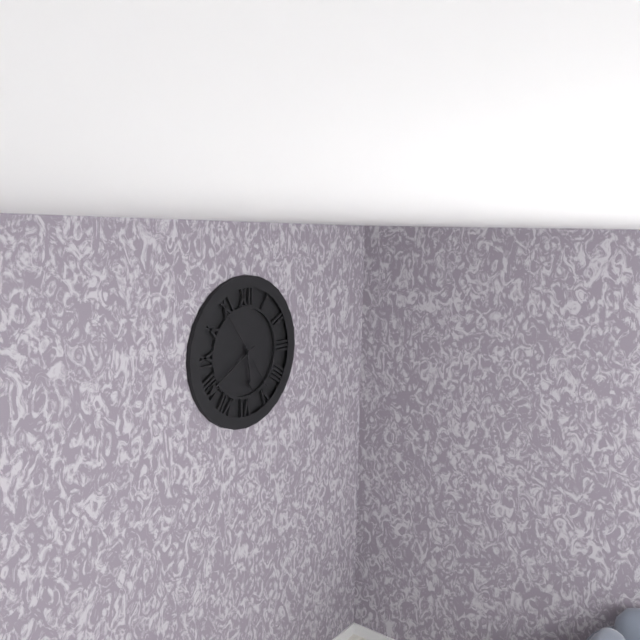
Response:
5h40m54s
